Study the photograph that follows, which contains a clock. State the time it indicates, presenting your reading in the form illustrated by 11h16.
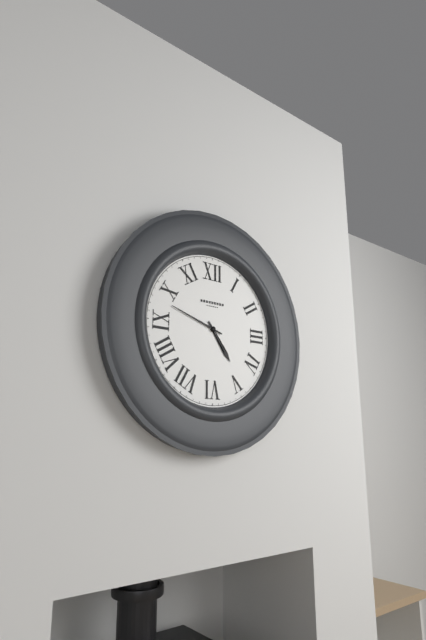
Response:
4h48
